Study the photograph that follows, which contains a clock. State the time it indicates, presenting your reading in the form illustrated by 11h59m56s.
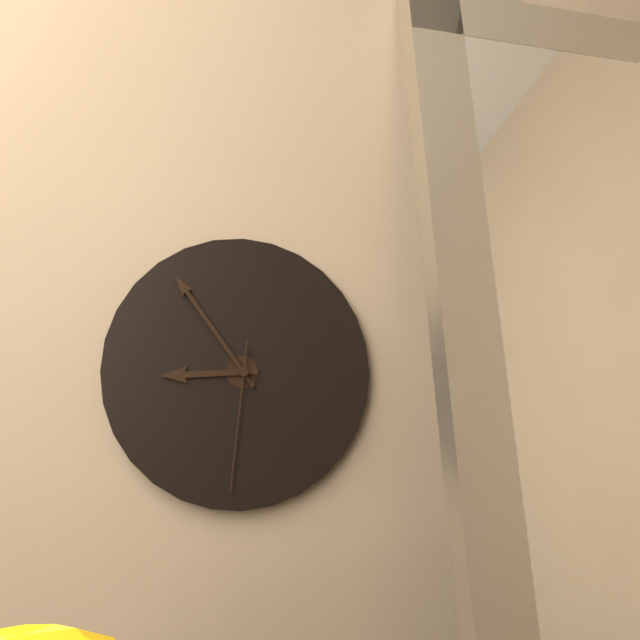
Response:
8h54m31s
